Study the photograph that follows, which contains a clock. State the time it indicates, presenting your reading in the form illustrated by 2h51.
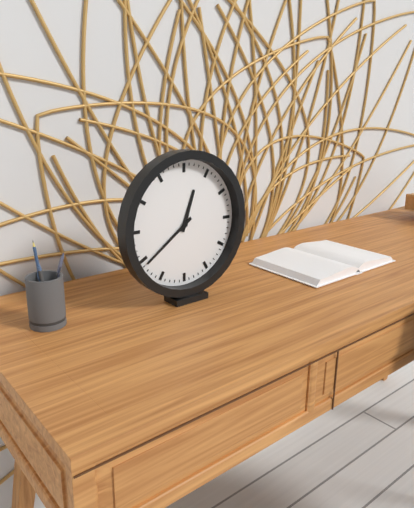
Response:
12h39
